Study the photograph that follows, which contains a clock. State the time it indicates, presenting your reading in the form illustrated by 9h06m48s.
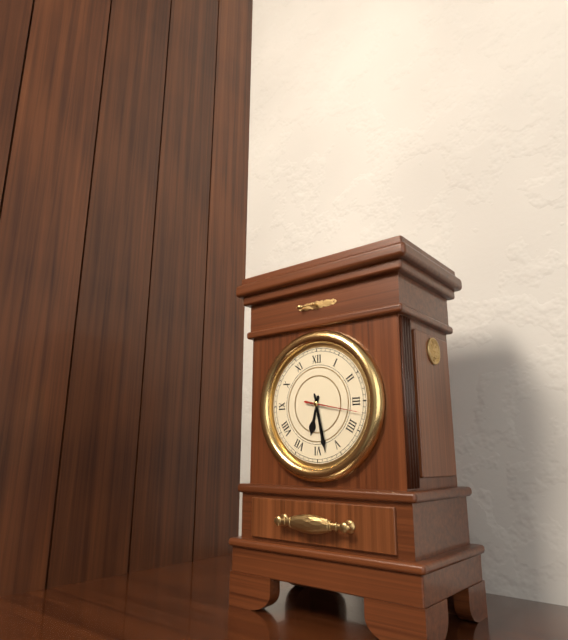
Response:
6h28m17s
